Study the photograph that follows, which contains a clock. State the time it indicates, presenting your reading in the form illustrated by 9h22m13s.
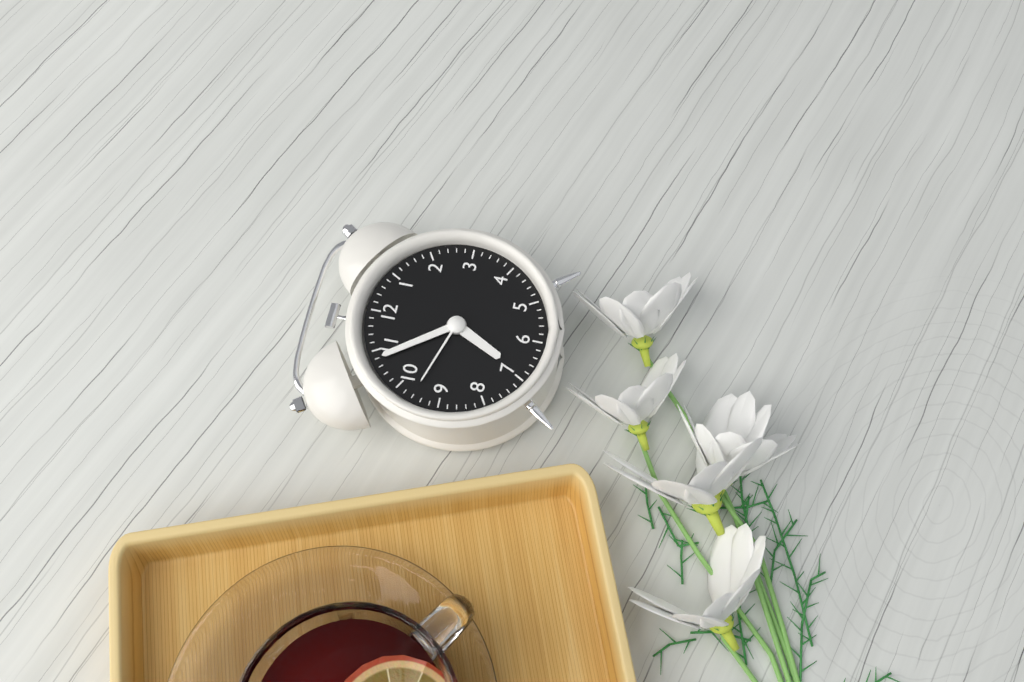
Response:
6h54m48s
